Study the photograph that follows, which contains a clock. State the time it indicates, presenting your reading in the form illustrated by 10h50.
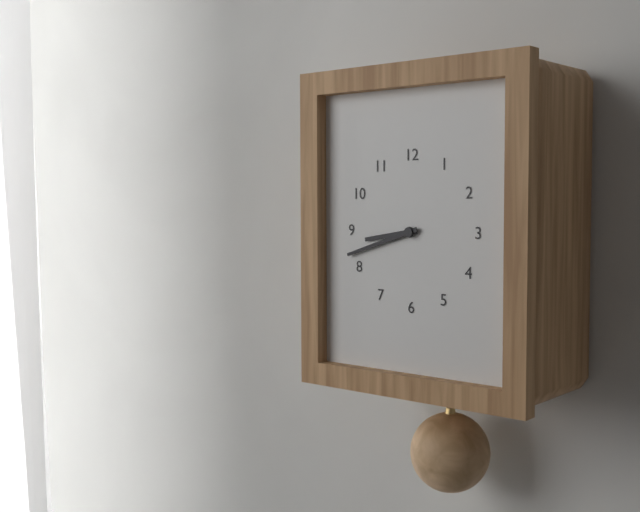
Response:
8h42
